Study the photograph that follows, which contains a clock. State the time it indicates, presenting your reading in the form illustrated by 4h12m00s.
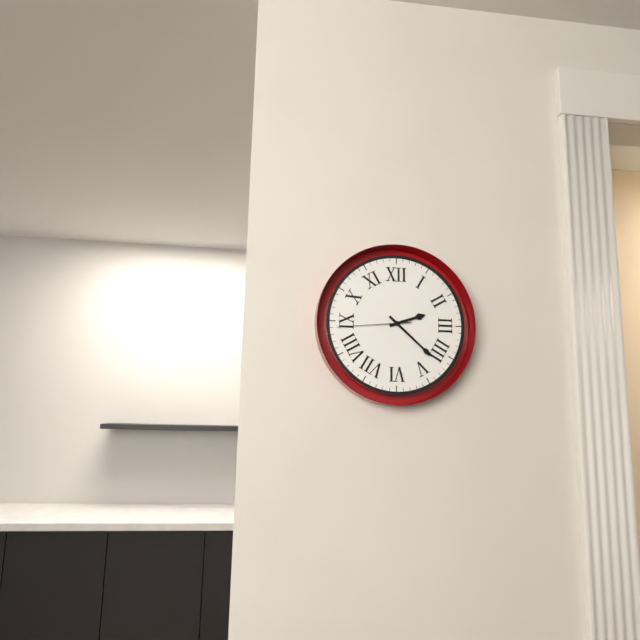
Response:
2h22m44s
